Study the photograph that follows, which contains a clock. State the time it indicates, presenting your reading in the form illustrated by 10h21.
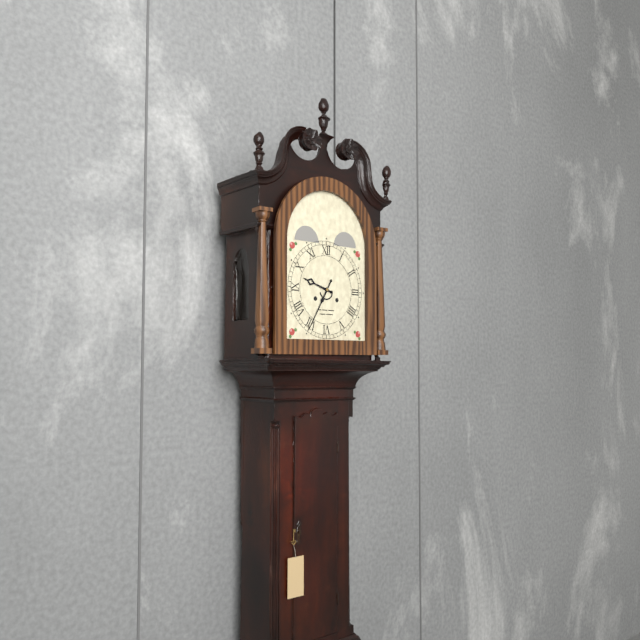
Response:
9h35
